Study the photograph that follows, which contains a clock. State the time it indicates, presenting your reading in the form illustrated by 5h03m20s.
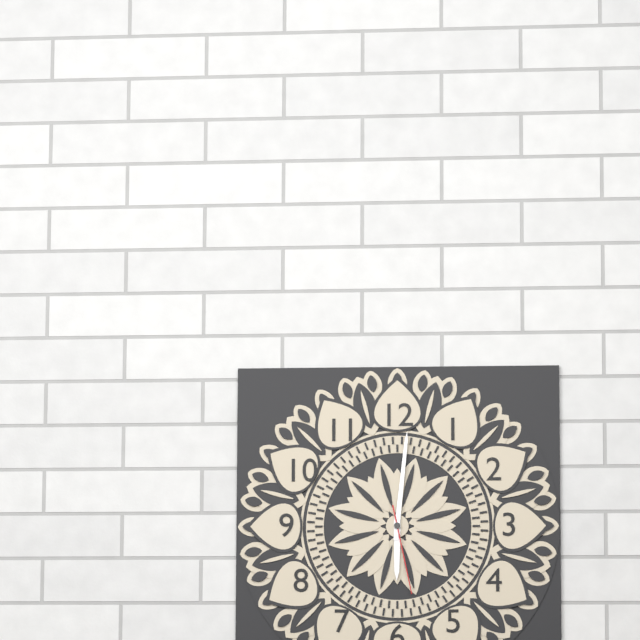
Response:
6h01m28s
